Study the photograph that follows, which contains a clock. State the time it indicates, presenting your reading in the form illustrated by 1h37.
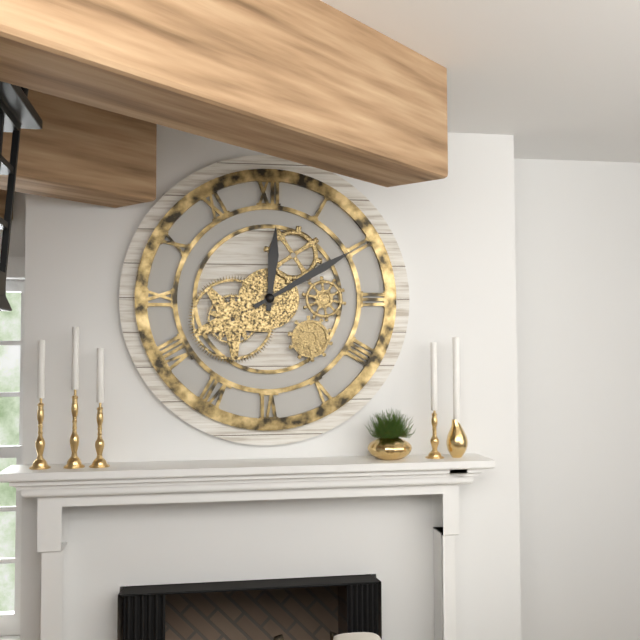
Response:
12h10
